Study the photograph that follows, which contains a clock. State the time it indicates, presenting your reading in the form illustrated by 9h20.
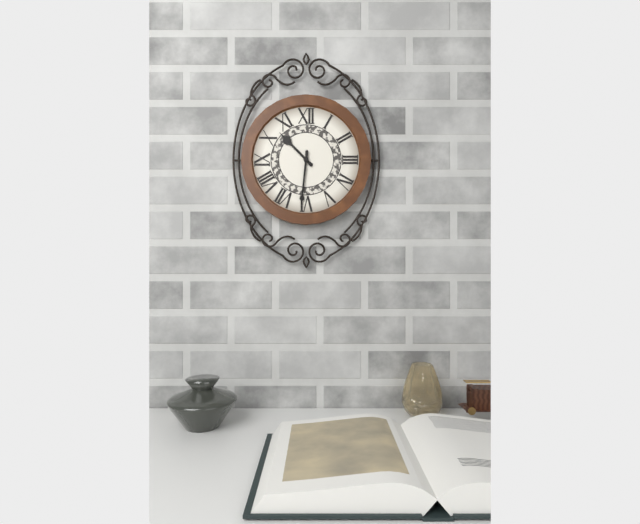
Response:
10h31
